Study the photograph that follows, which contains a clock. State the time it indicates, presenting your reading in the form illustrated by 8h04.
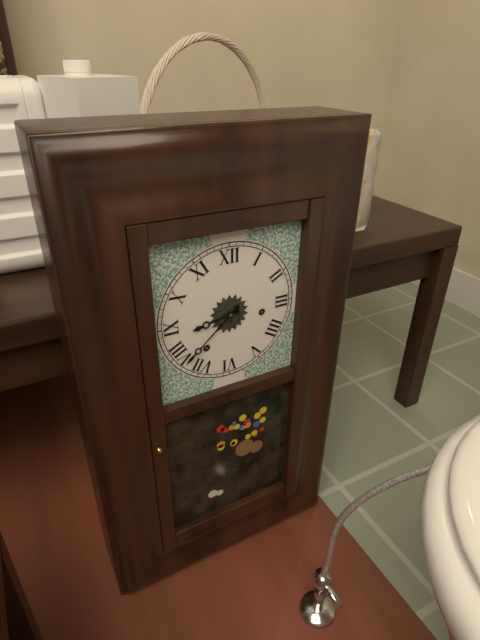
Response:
8h38
